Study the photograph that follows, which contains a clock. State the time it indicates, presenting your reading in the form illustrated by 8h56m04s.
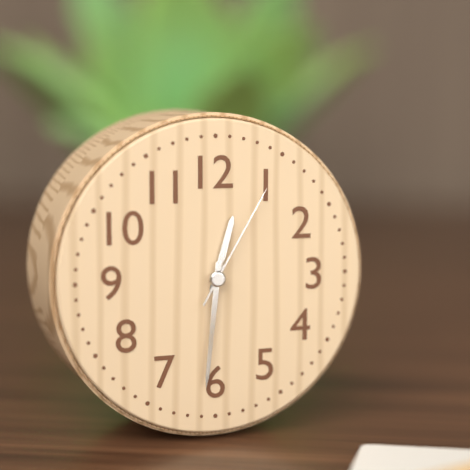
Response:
12h31m05s
